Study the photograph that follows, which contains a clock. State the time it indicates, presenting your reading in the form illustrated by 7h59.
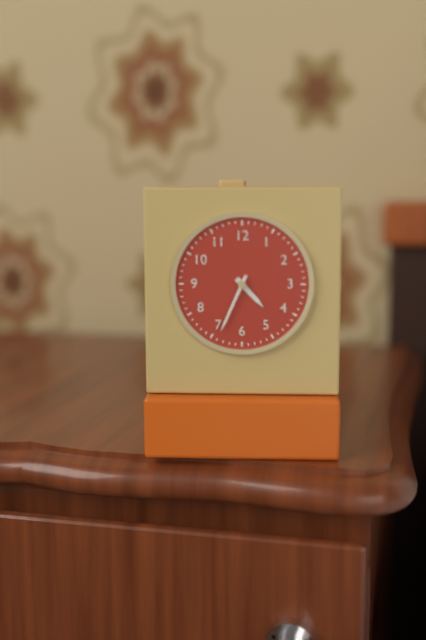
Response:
4h34
